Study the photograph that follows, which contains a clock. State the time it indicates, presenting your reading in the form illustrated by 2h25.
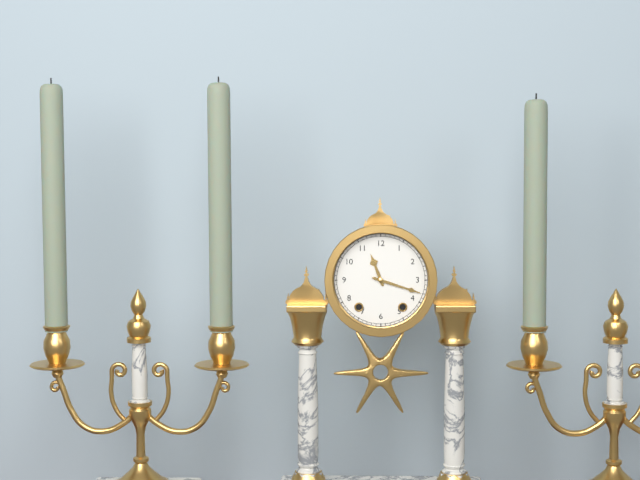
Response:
11h18
